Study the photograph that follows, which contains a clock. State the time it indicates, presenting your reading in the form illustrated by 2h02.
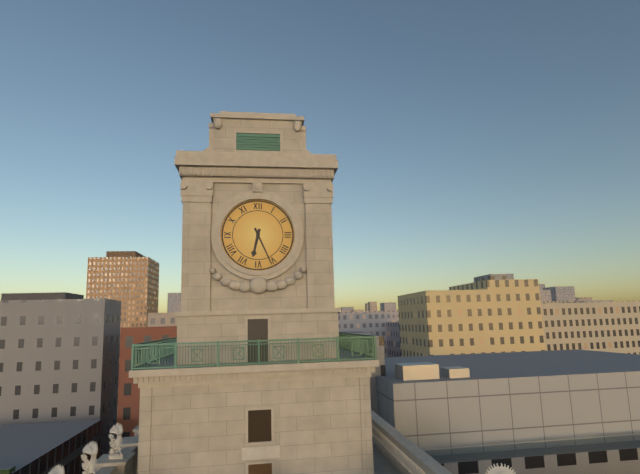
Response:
6h26
